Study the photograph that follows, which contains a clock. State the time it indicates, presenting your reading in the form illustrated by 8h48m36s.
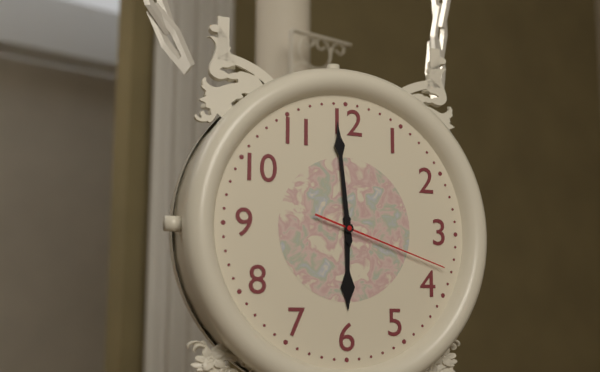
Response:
5h59m18s
